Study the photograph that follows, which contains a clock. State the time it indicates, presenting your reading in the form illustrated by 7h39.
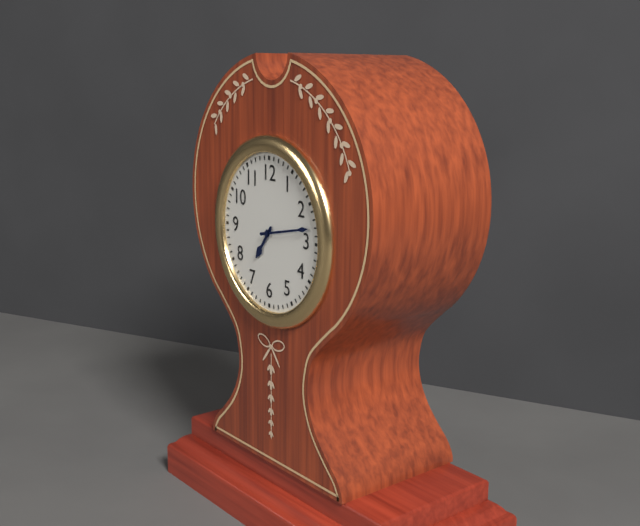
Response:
7h13
